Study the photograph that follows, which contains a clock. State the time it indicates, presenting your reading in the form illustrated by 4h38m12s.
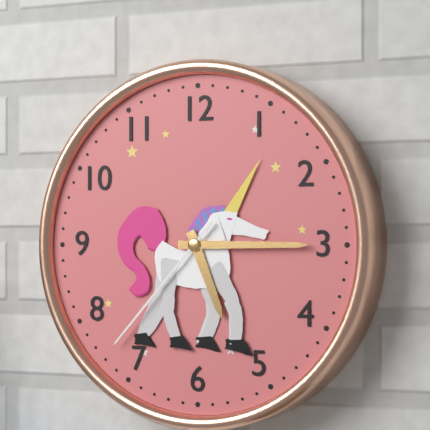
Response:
5h15m37s
